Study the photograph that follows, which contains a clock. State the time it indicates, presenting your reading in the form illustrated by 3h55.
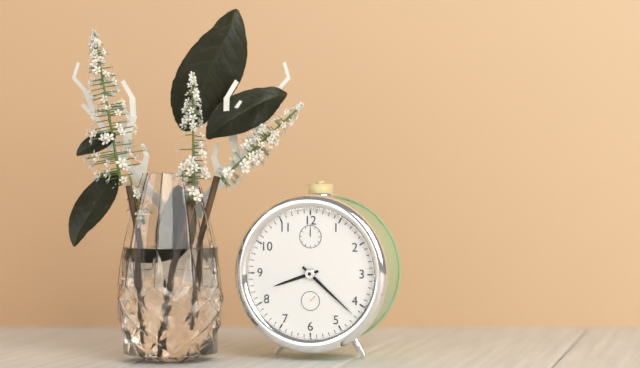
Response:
8h22
